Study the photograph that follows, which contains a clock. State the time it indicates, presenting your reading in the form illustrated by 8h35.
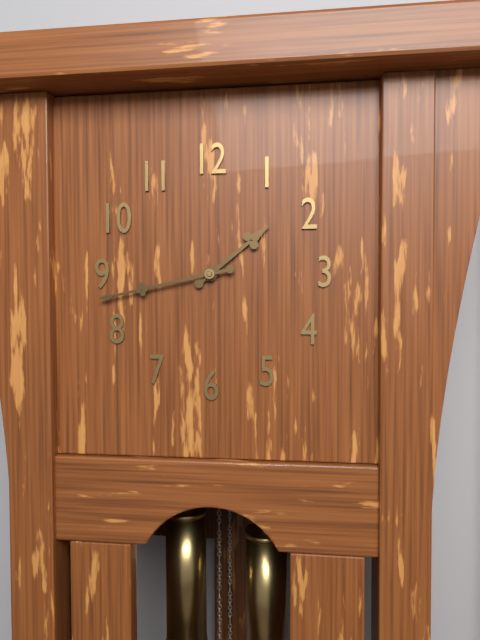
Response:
1h43
